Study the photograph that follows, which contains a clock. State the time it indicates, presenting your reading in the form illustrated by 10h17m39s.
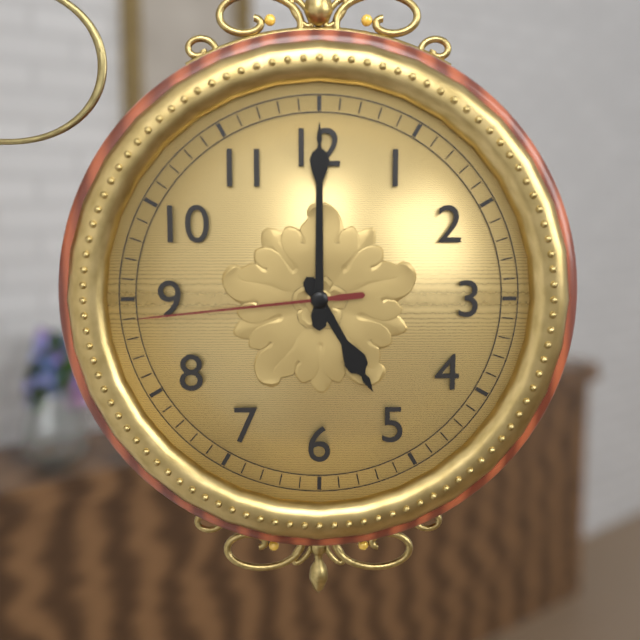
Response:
5h00m44s
